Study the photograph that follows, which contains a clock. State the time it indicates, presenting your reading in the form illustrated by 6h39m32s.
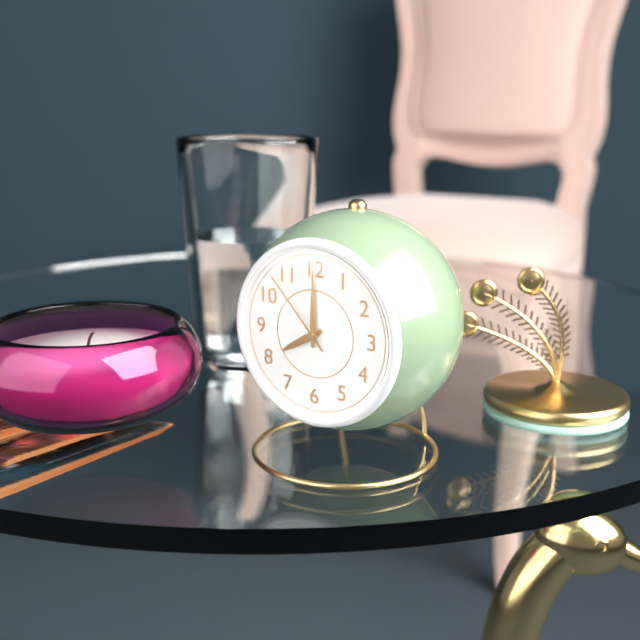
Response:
8h00m53s
